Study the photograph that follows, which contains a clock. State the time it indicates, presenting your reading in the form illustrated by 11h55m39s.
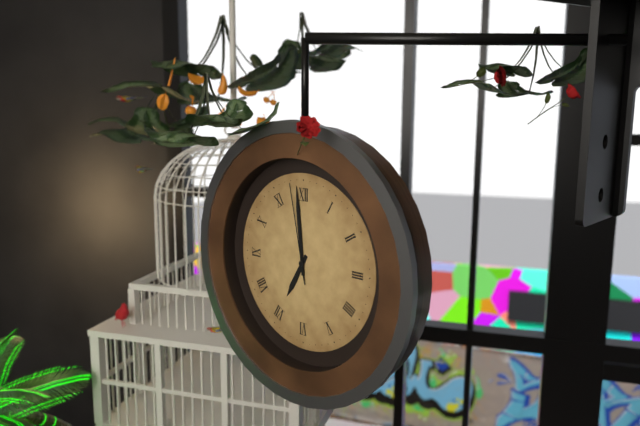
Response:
6h59m58s
